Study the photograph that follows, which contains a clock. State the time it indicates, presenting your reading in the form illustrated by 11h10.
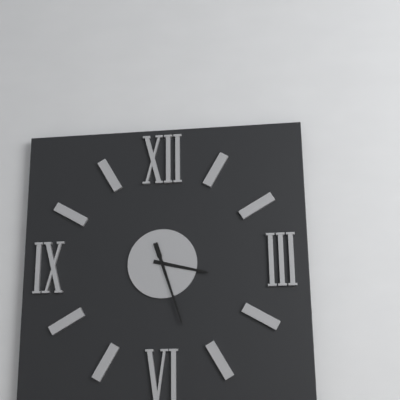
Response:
3h27
